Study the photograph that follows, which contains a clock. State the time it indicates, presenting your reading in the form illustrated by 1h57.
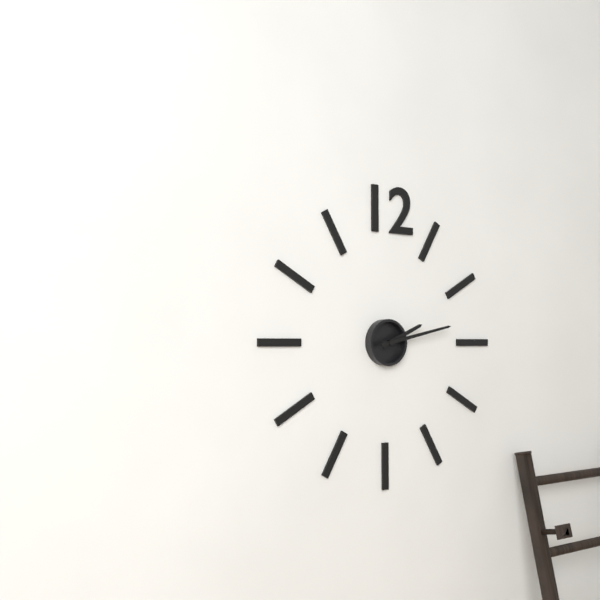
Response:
2h13
